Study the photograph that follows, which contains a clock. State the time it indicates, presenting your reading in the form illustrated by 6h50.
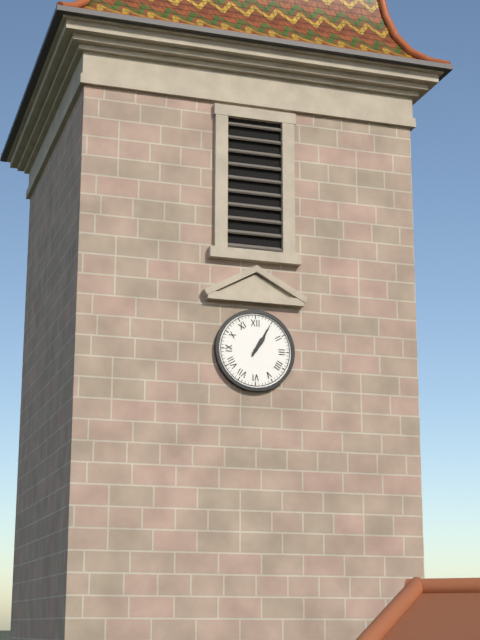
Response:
1h05
